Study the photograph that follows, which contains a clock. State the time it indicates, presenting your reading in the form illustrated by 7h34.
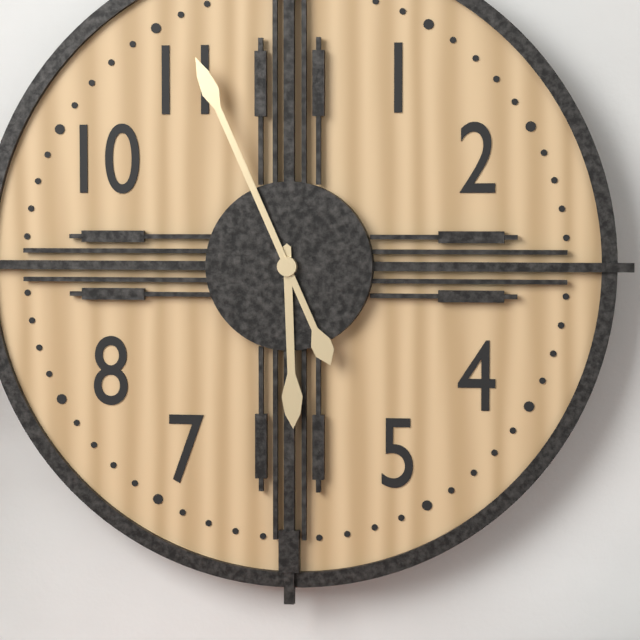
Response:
5h56
